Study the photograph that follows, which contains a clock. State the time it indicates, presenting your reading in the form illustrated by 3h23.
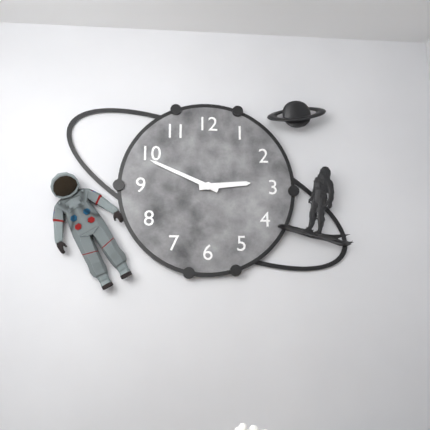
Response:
2h49
